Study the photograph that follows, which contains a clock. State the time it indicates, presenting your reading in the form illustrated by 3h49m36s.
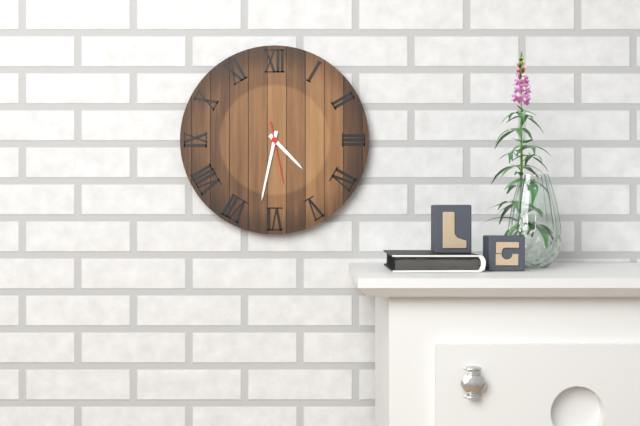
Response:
4h32m28s
